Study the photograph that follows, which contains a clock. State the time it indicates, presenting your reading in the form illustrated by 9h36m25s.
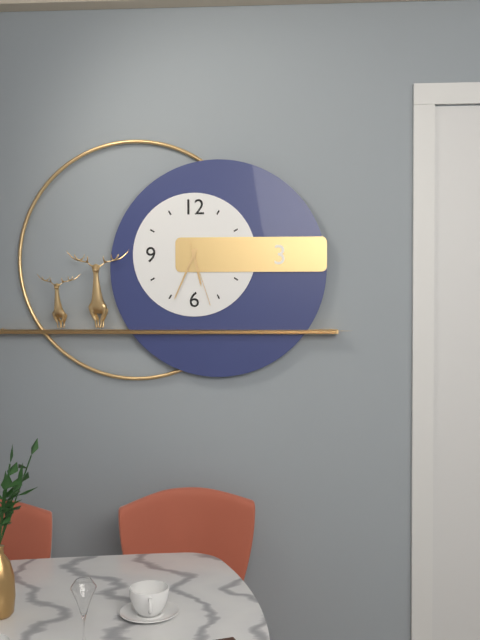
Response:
5h34m27s
